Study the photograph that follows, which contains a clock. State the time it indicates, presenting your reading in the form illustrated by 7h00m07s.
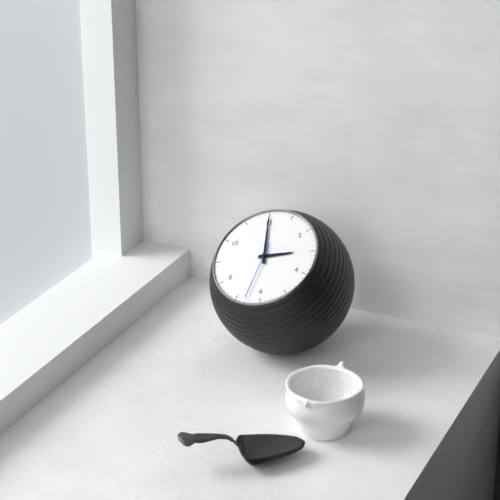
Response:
3h00m33s
